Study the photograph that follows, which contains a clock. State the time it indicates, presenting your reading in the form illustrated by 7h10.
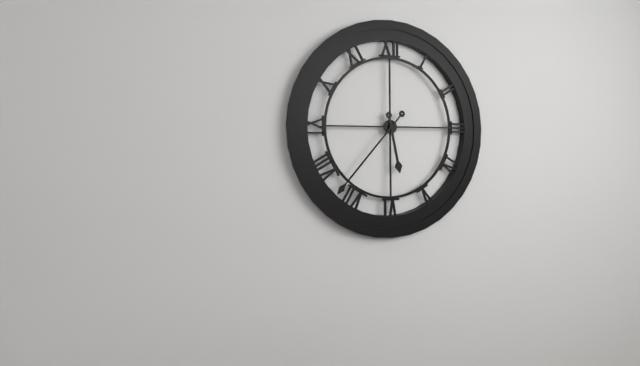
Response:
5h37
